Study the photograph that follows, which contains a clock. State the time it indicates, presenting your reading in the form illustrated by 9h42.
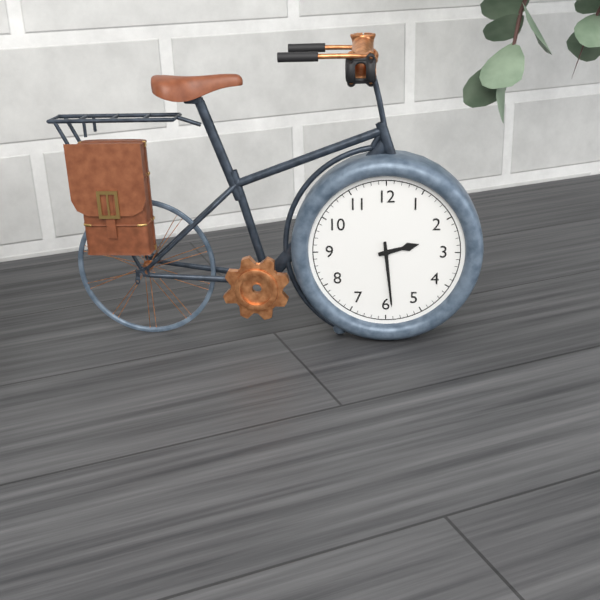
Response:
2h29
